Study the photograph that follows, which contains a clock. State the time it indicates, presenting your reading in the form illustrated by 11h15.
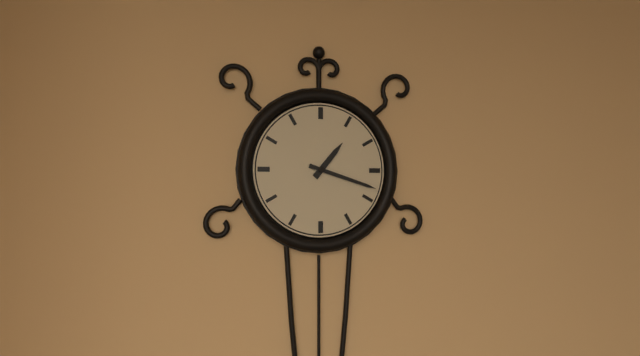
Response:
1h18
